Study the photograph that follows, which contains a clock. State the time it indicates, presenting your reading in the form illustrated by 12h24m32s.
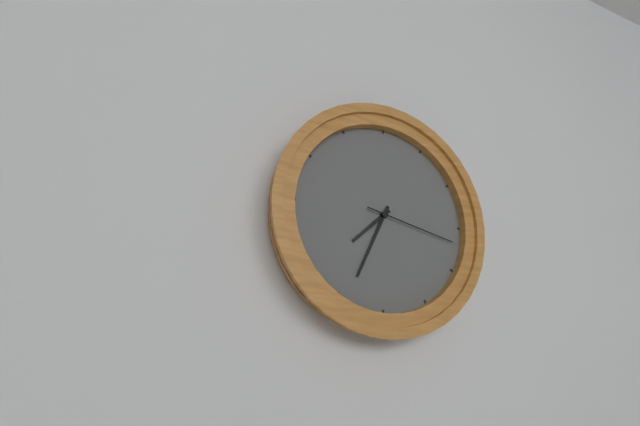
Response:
7h34m17s
